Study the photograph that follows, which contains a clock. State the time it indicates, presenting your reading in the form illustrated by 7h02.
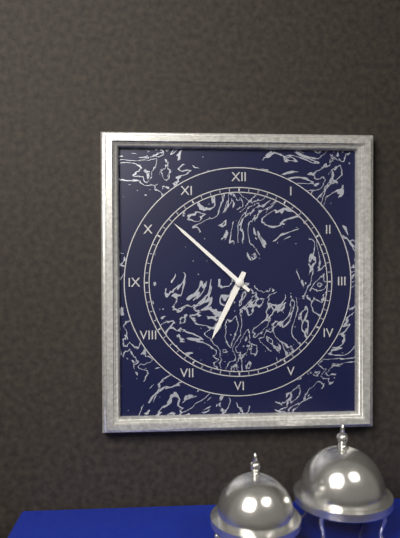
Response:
6h52
